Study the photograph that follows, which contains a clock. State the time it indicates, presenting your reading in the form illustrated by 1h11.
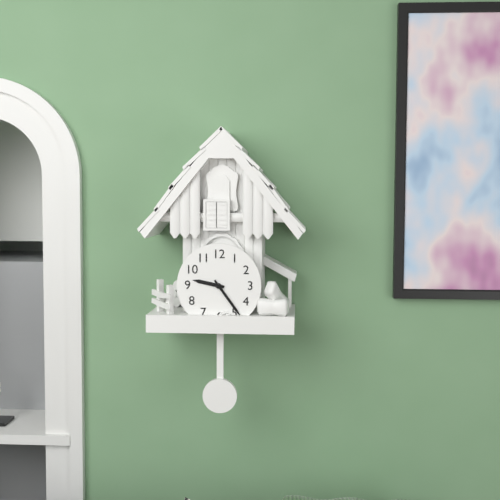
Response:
9h24
